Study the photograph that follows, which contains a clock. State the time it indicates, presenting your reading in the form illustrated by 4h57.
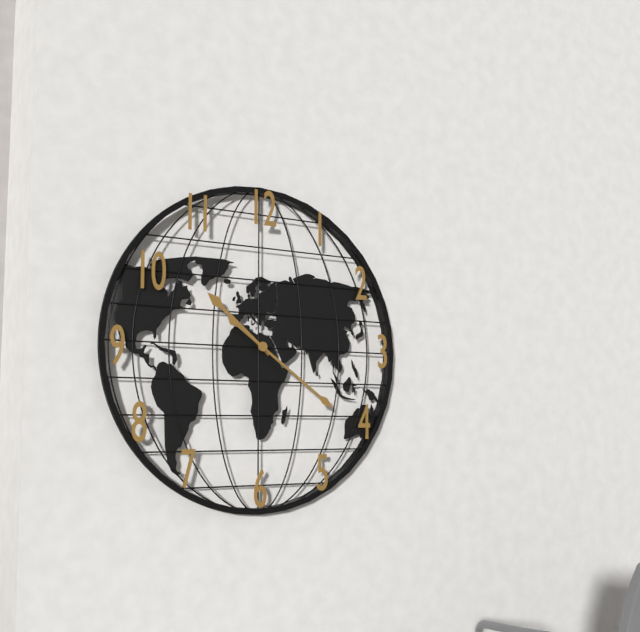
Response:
10h21
